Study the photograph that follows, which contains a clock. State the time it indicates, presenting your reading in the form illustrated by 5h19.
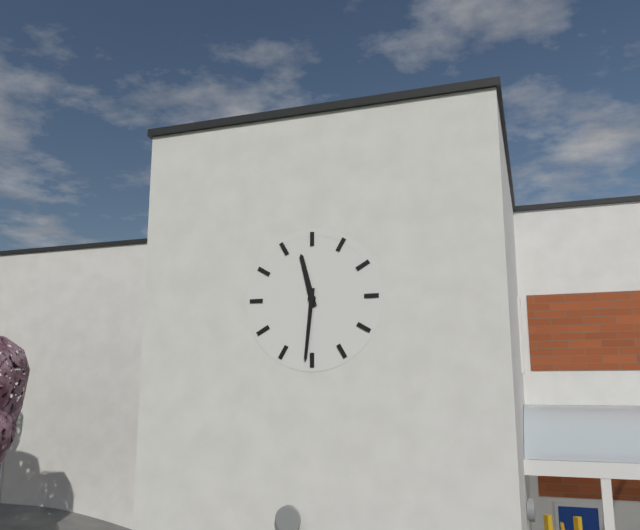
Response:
11h31
